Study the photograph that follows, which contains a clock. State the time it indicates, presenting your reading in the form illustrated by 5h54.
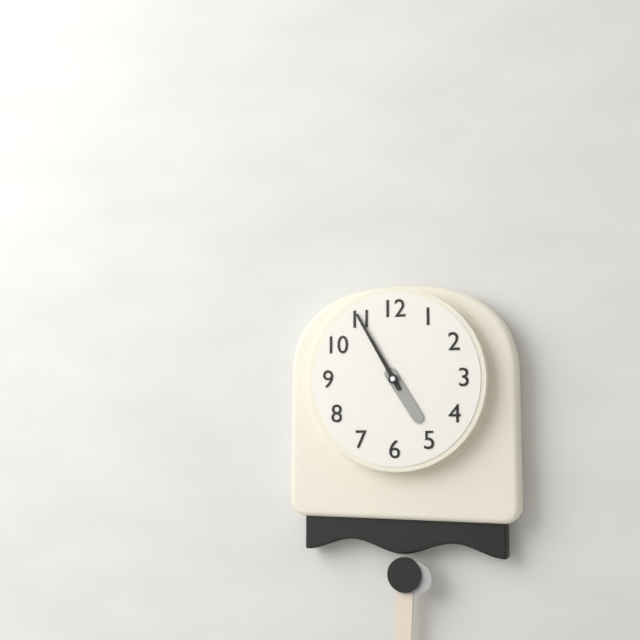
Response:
4h55
